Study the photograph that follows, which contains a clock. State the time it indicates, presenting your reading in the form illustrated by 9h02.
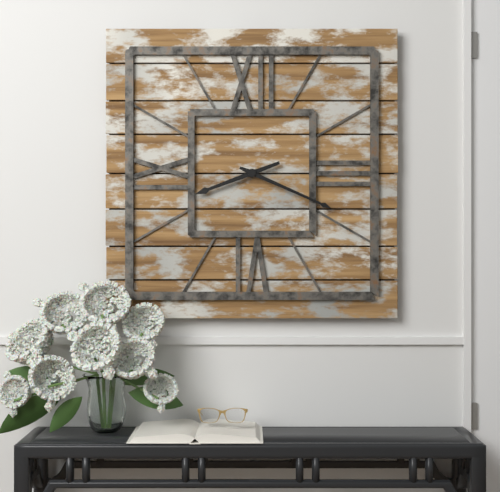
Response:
8h19
